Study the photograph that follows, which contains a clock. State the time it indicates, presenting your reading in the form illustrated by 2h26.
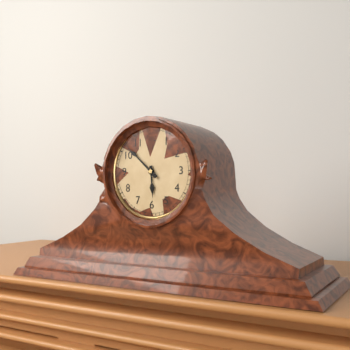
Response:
5h52
